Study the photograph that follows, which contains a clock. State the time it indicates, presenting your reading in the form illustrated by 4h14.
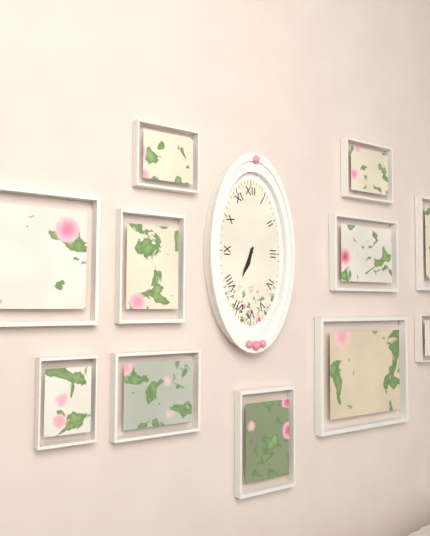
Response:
6h34
